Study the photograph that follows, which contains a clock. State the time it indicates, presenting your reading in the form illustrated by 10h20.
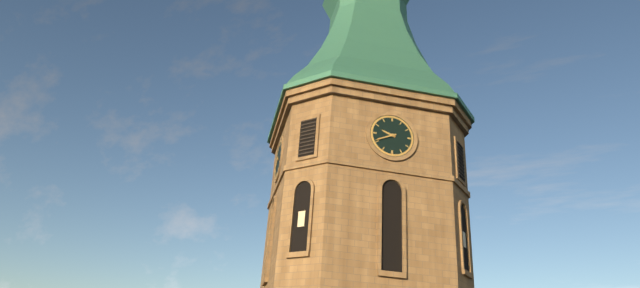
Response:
9h41
